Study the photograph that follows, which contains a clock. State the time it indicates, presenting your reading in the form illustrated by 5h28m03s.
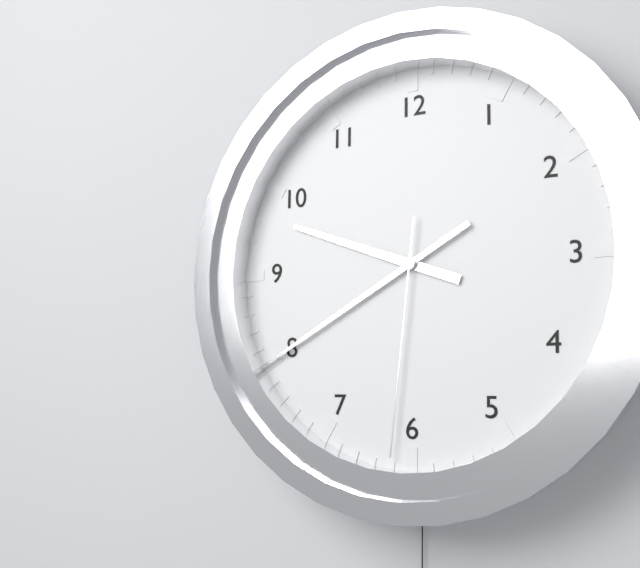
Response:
9h40m31s
